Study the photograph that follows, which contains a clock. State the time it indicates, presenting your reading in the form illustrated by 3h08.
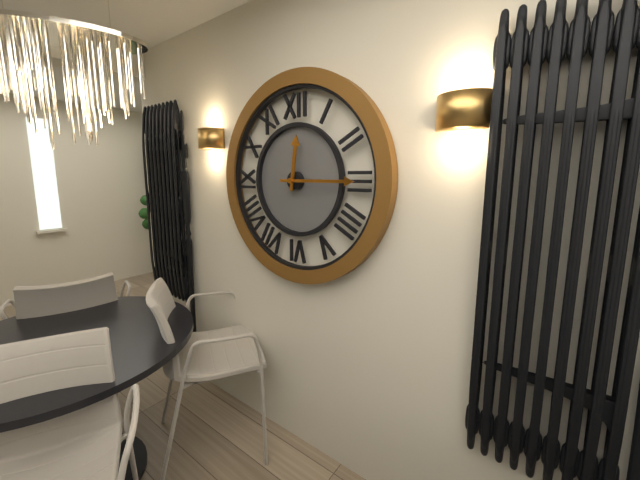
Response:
12h15
